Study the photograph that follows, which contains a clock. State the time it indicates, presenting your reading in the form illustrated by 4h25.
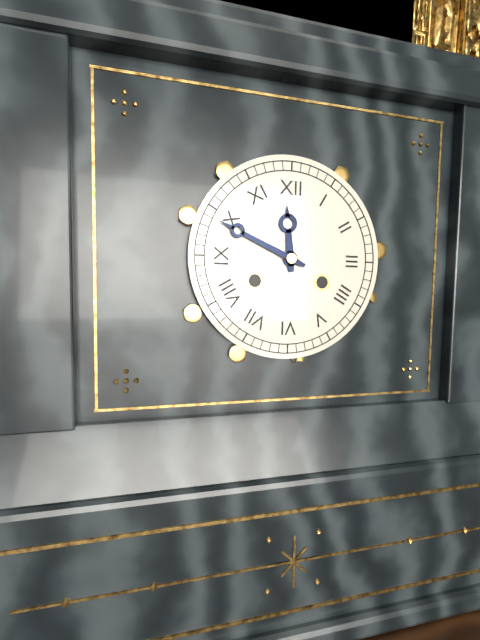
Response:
11h49
